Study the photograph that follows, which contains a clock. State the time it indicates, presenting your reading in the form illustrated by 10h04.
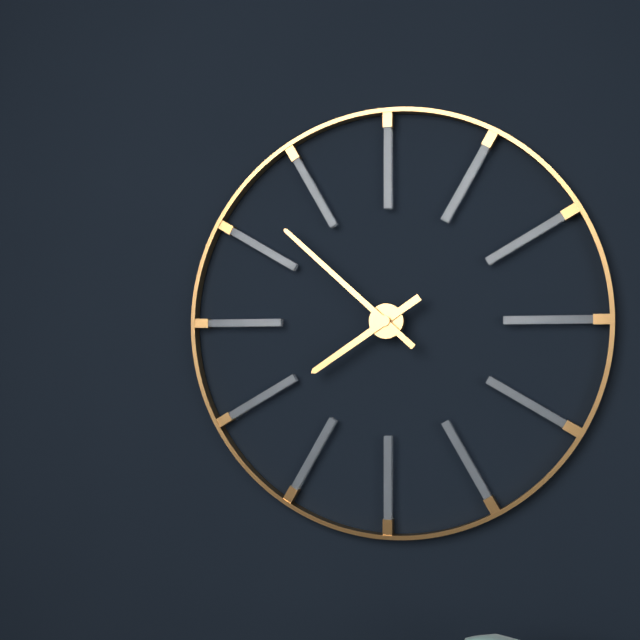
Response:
7h52
